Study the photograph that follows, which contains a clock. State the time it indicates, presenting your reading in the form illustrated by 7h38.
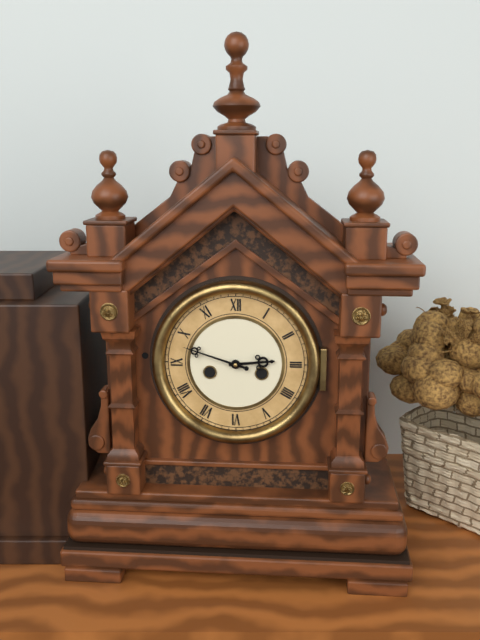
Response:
2h48
